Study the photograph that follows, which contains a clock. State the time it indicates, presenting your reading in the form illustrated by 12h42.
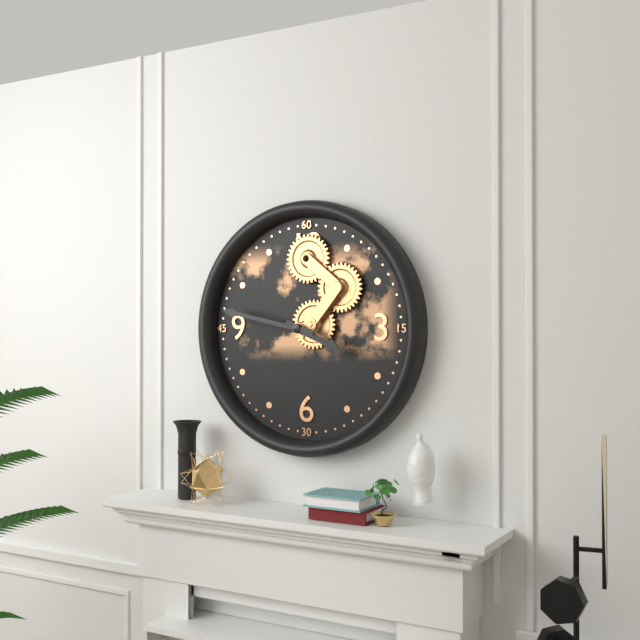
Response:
3h47
